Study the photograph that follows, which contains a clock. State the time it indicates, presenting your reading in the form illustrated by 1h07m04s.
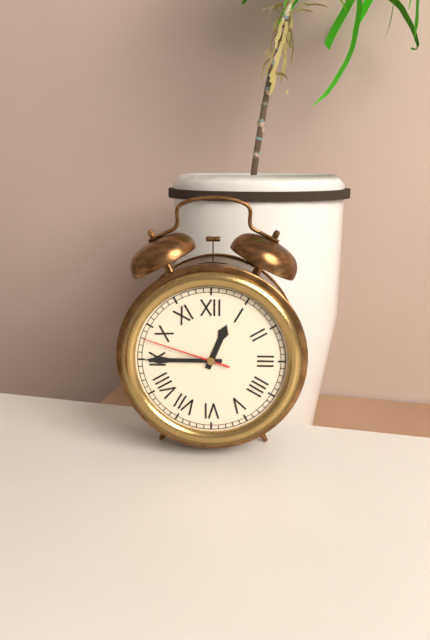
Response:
12h45m48s
